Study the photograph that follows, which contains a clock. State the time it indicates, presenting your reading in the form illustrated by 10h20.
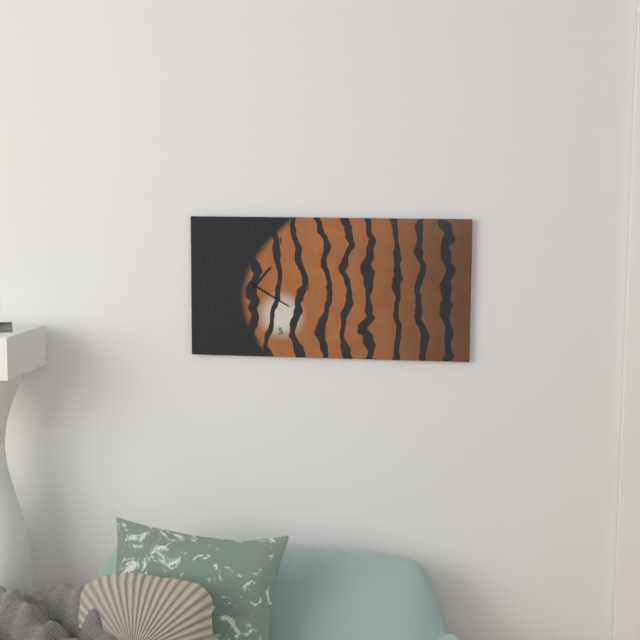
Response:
1h20
